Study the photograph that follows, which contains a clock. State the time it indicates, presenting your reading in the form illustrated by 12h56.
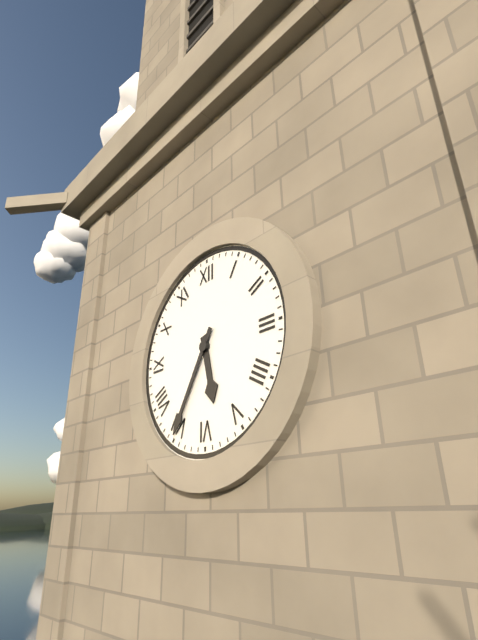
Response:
5h35
